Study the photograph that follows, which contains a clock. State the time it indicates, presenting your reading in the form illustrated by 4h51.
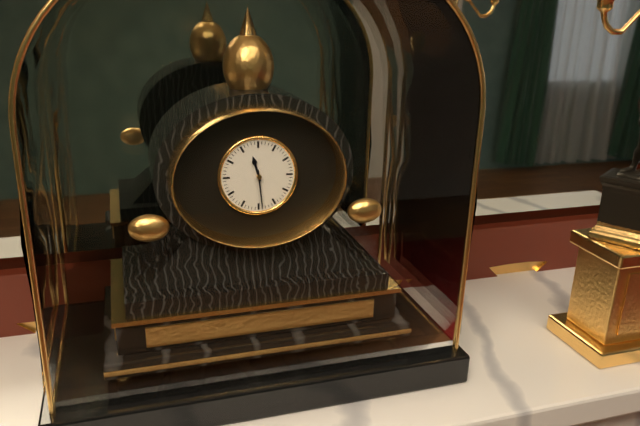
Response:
11h29
